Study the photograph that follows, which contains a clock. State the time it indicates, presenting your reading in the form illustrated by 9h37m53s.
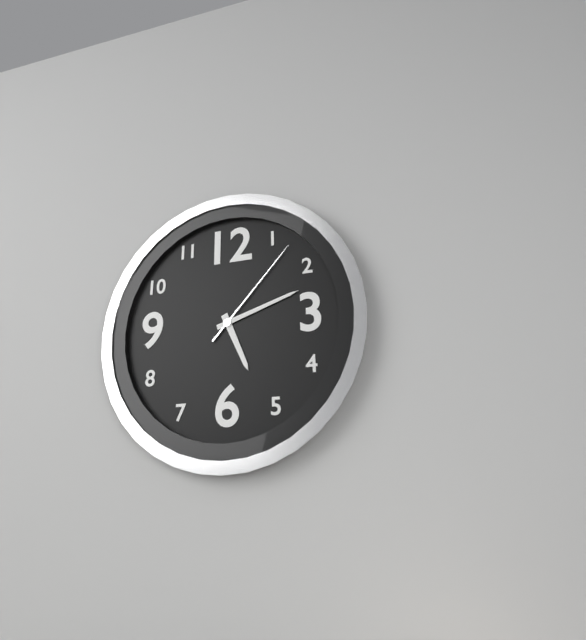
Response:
5h12m07s
